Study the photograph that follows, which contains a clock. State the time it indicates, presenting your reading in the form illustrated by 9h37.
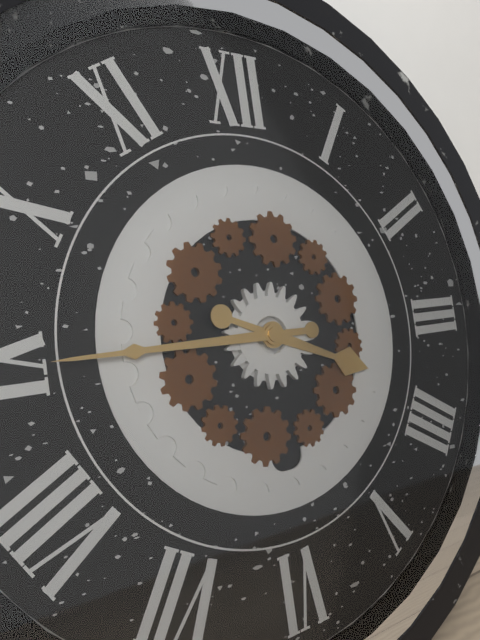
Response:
3h45
